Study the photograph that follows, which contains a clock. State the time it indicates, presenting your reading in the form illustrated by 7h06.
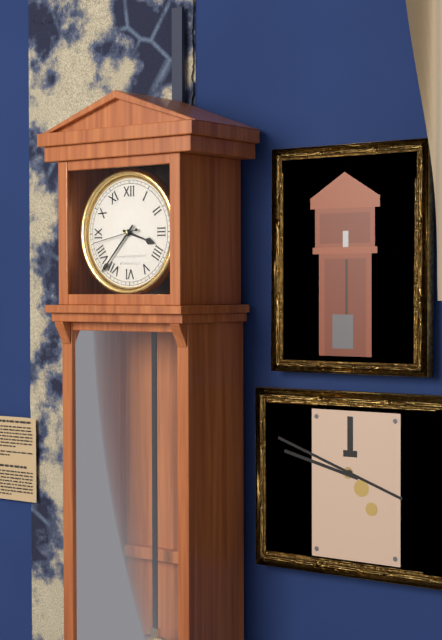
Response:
3h37
